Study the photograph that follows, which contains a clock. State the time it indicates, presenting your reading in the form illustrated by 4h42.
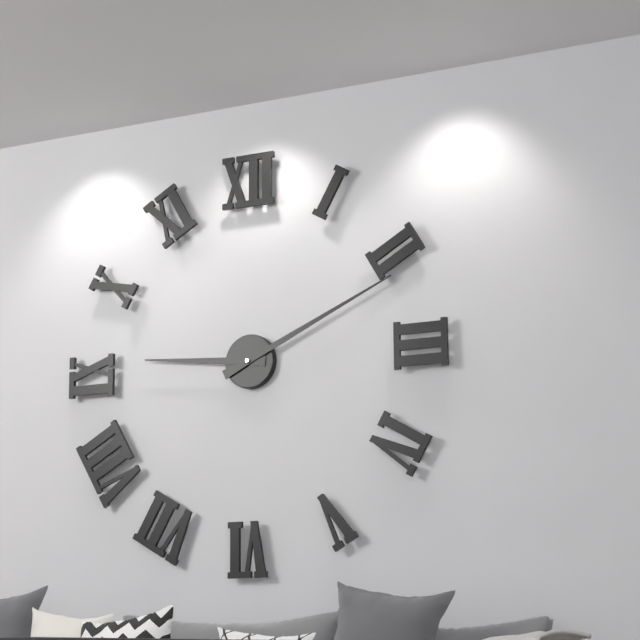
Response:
9h11
